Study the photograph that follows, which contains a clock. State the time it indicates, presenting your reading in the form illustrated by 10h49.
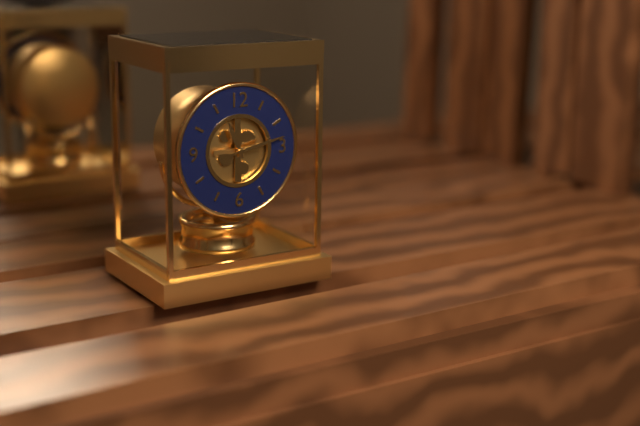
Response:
11h13
